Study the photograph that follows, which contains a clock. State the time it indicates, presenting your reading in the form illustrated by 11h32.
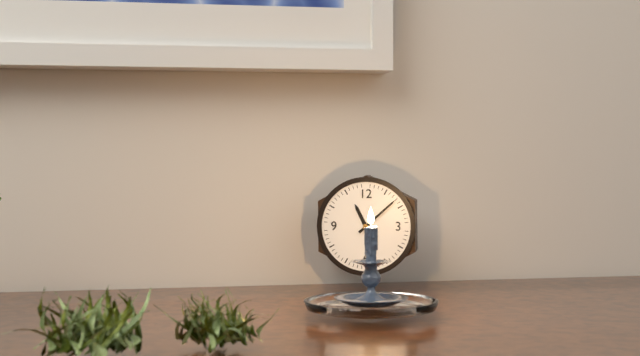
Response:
11h08
